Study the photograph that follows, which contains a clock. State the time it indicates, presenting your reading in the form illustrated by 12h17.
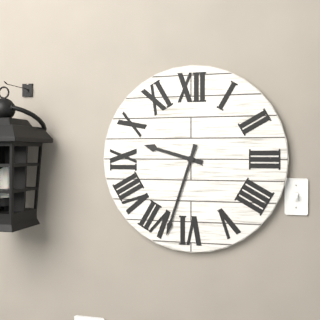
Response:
9h33
